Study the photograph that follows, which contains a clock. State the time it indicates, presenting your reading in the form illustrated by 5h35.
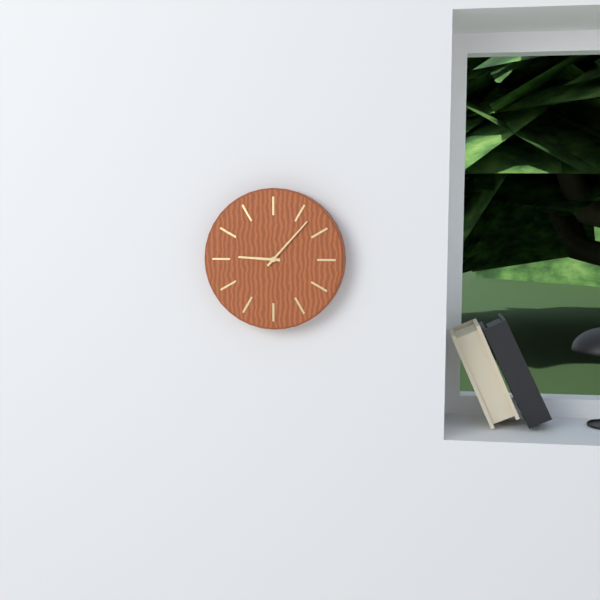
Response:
9h07
